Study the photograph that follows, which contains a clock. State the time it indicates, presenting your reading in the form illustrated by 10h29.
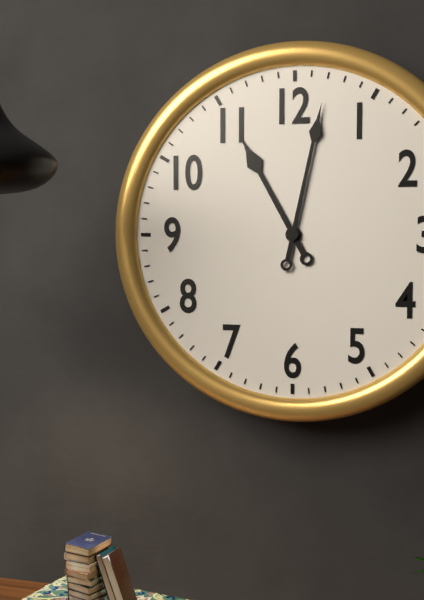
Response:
11h02
